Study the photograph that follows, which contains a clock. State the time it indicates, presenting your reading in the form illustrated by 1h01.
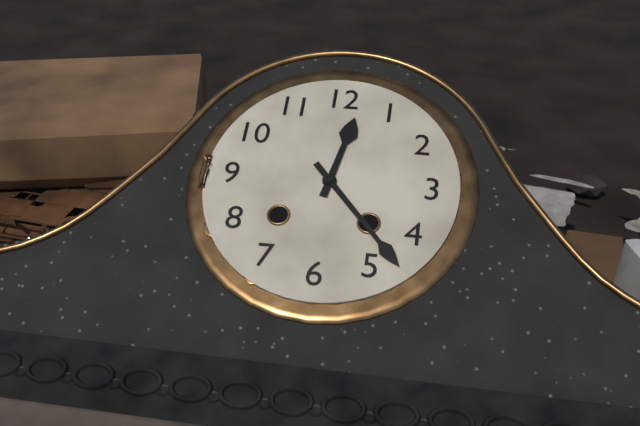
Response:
12h23
